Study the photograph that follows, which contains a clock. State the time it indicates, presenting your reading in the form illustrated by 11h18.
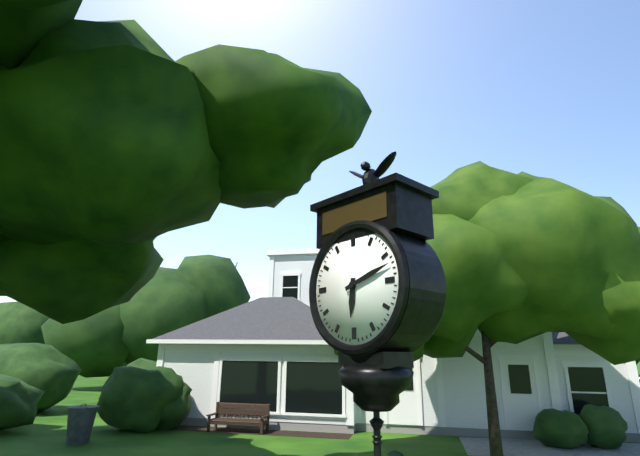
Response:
6h12
